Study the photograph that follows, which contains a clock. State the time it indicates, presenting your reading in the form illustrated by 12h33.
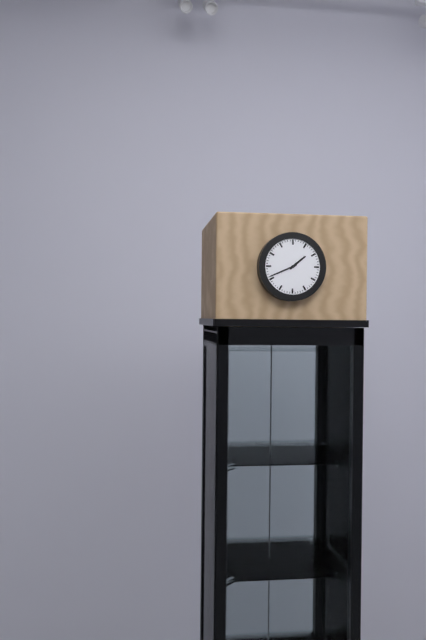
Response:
1h41
